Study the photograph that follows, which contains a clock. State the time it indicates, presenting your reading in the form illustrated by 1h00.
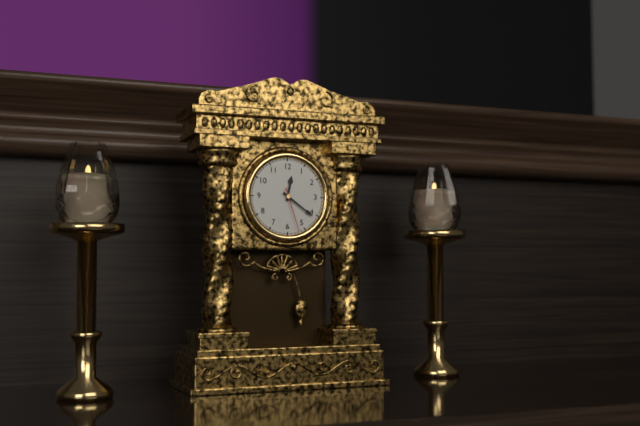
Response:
12h21
